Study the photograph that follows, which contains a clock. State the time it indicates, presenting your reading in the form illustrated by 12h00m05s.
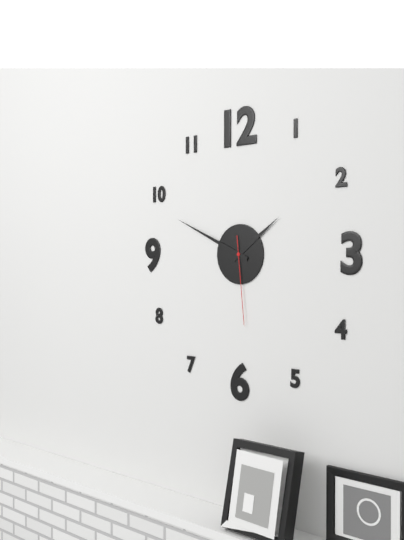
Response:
1h49m29s
